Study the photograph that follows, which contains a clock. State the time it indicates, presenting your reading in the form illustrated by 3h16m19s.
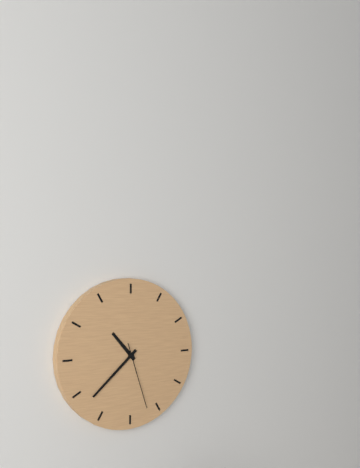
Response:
10h38m27s
